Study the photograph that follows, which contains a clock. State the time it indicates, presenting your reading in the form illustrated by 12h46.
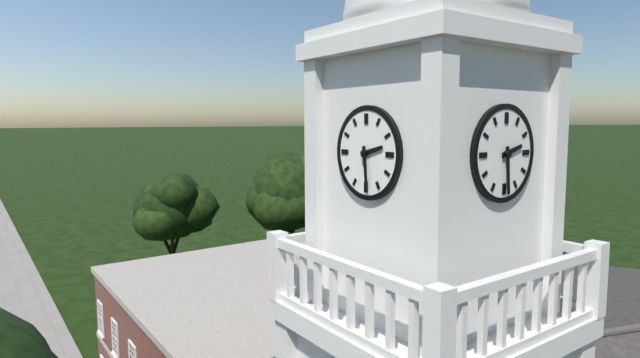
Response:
2h29
